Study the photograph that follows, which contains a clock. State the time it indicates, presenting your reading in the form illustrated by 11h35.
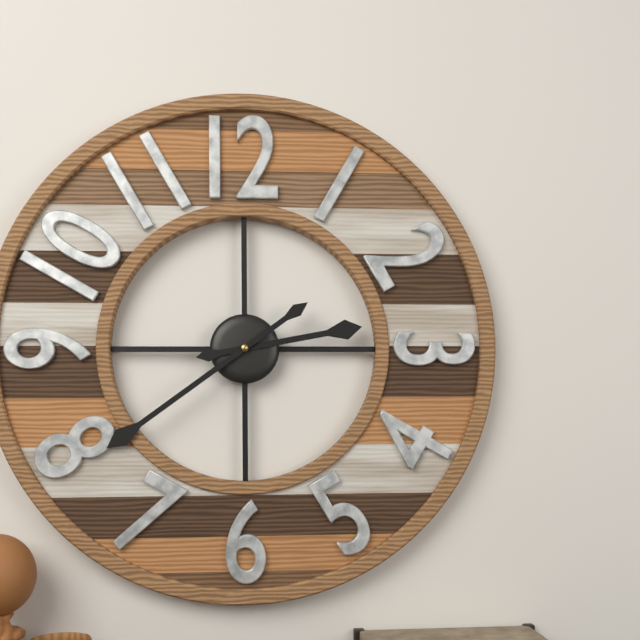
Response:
2h39
